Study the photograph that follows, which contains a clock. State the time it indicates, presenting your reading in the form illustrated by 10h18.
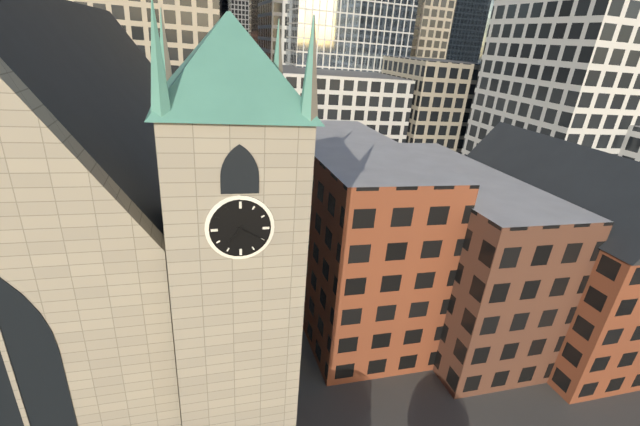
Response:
7h20
